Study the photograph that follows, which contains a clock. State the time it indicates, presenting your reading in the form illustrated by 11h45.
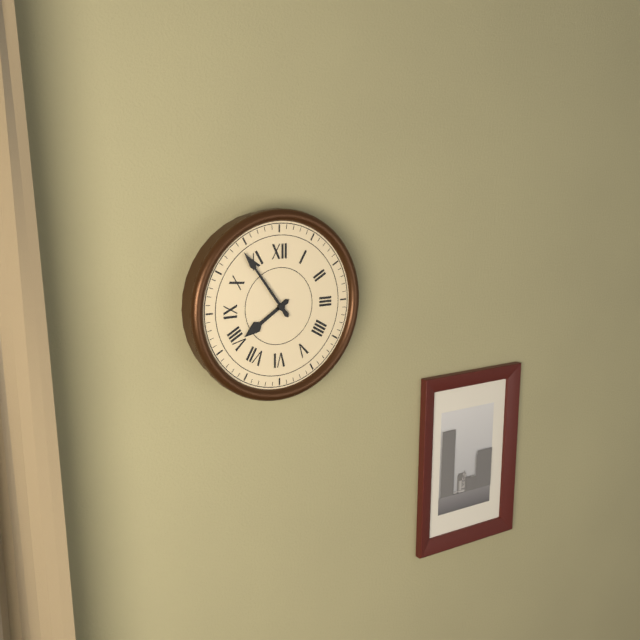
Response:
7h54
